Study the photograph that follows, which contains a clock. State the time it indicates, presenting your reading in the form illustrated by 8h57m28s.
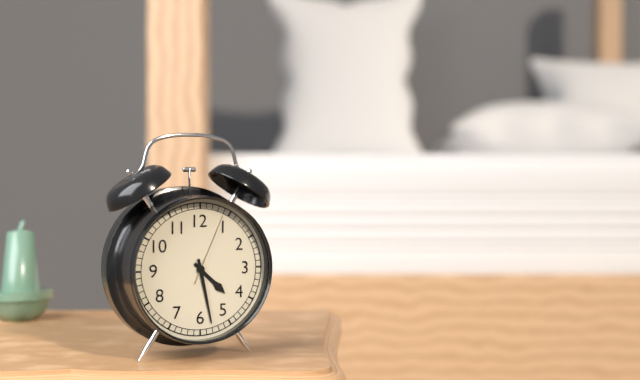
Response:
4h28m04s
